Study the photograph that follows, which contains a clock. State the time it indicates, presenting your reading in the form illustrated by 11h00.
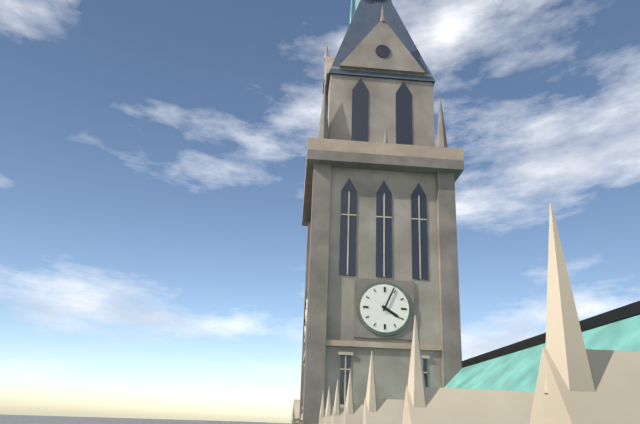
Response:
4h04
